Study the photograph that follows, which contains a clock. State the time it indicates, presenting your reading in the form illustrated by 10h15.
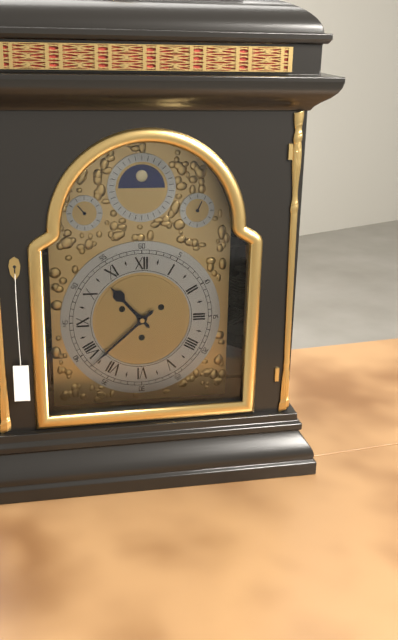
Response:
10h38
